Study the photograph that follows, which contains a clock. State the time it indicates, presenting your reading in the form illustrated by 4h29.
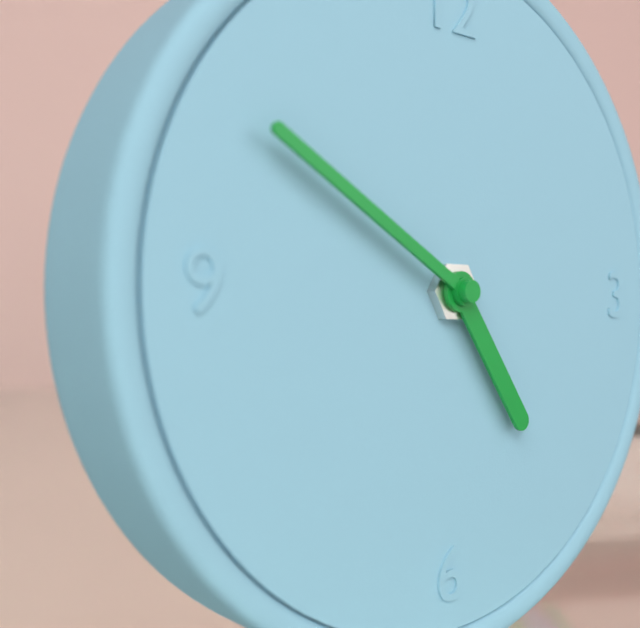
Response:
4h50
